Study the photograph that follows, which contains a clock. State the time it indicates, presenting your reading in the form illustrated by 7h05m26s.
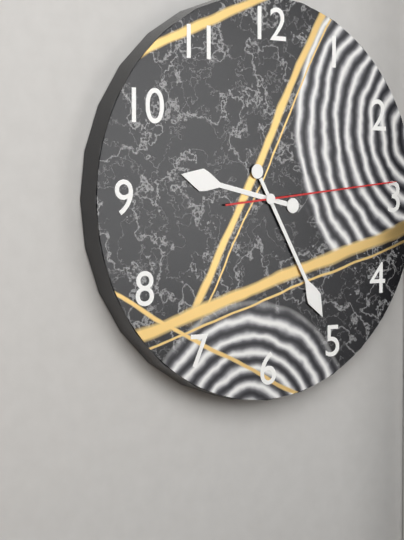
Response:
9h25m14s
